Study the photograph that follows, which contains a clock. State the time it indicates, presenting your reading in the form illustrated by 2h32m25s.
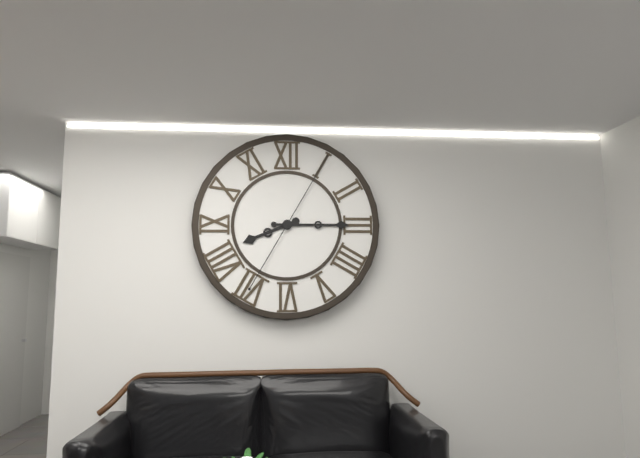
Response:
8h15m05s
